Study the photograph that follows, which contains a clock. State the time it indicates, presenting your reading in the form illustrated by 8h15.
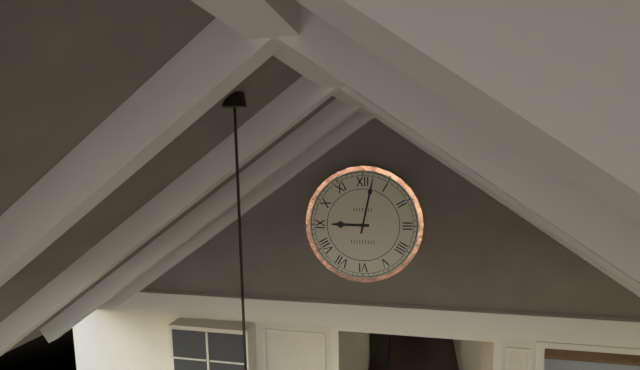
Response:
9h02
